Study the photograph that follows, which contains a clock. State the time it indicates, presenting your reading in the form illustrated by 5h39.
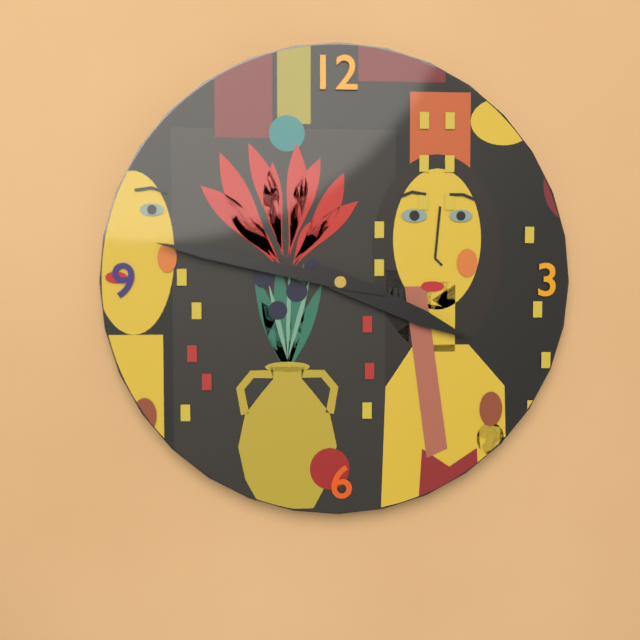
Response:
3h47
